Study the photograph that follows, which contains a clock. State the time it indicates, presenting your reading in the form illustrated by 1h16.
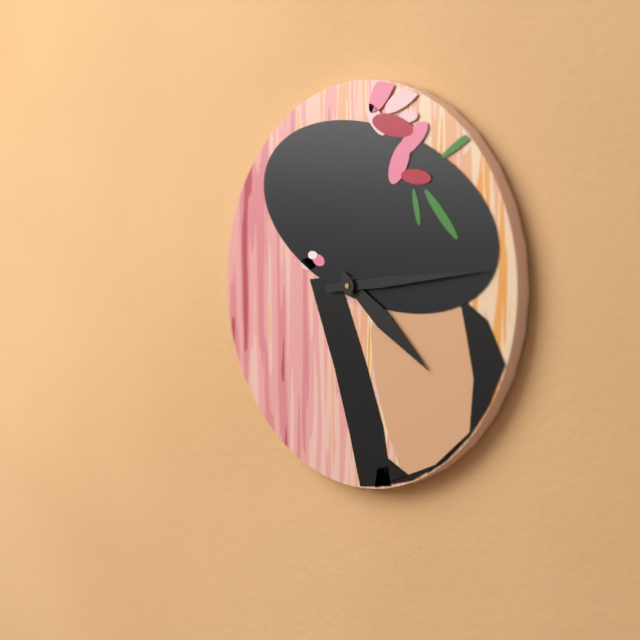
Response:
4h14
